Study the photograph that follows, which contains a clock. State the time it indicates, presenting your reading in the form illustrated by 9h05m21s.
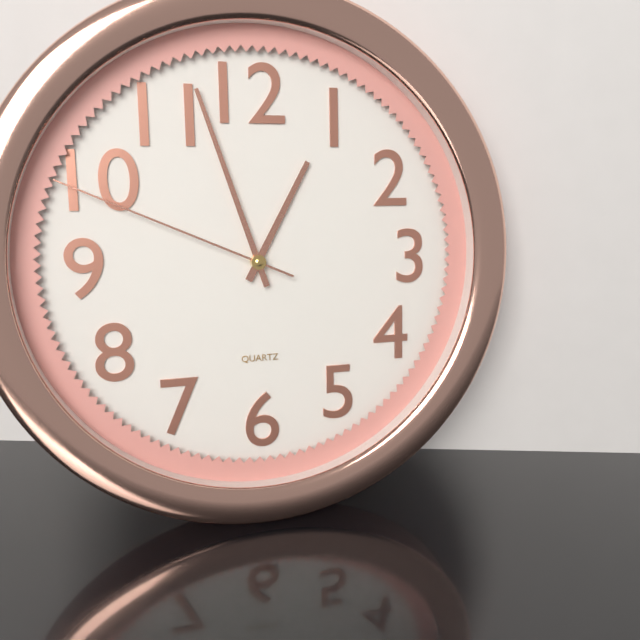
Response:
12h57m49s
